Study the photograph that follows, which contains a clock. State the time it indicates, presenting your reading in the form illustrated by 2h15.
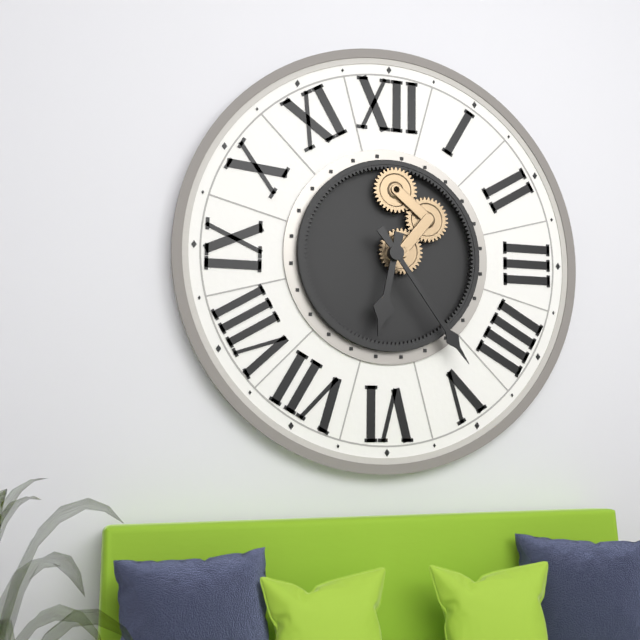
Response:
6h24
